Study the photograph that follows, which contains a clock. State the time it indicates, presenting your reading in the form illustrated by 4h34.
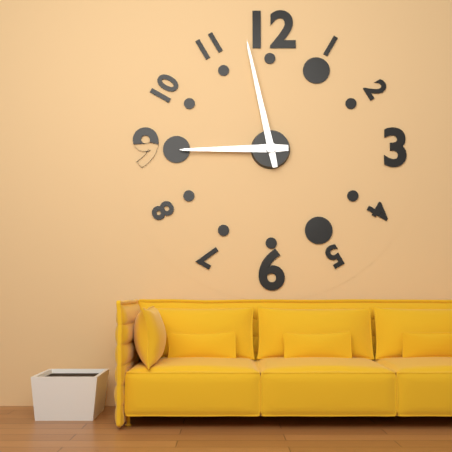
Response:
8h58
